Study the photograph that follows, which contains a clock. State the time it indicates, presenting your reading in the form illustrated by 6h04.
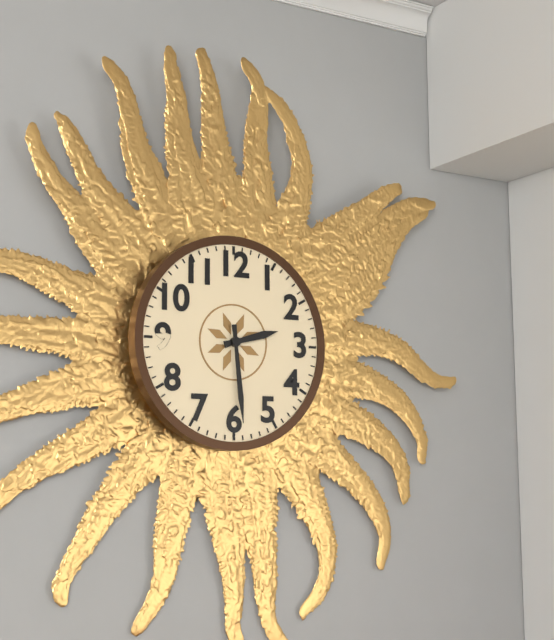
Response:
2h29
